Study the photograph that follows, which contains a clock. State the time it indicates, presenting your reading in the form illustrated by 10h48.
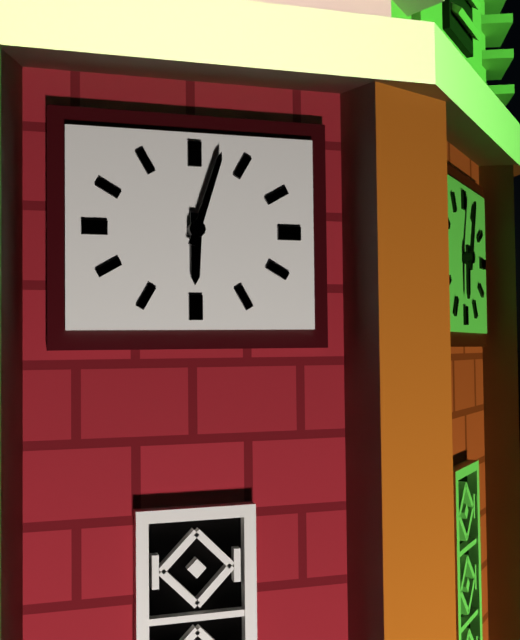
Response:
6h03
